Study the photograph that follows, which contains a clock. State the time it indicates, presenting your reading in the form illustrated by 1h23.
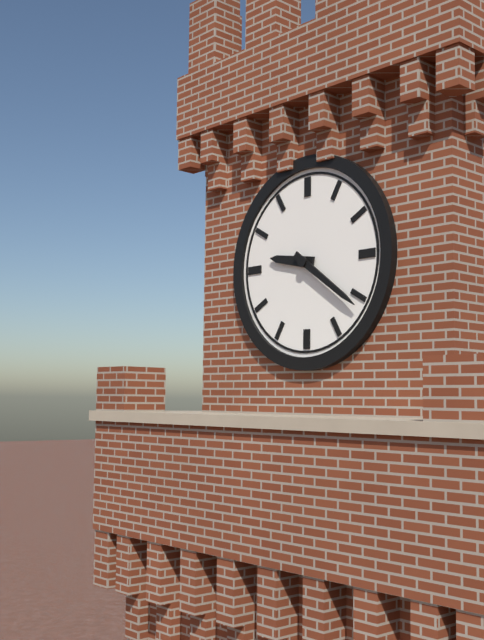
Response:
9h21
